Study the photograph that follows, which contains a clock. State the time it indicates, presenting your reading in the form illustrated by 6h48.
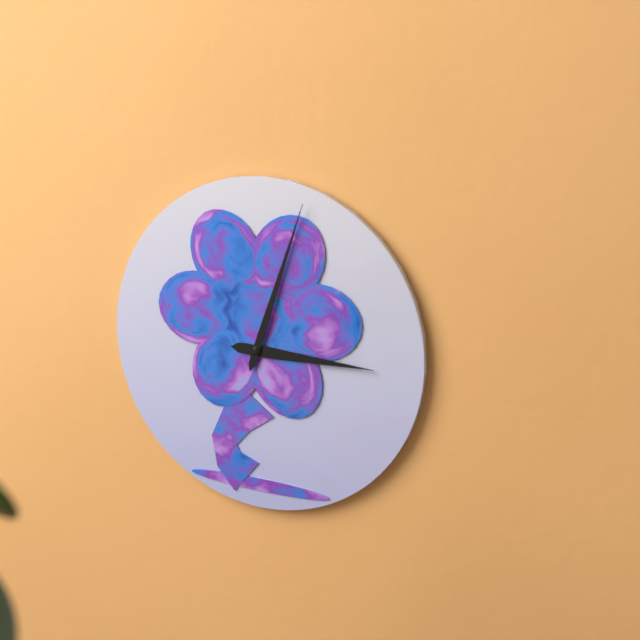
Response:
3h03
